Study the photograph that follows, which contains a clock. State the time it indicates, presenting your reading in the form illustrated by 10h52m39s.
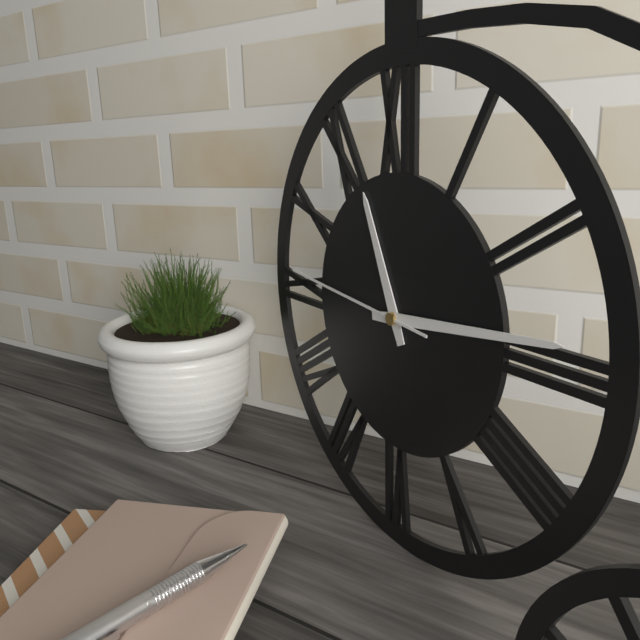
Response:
11h14m46s
